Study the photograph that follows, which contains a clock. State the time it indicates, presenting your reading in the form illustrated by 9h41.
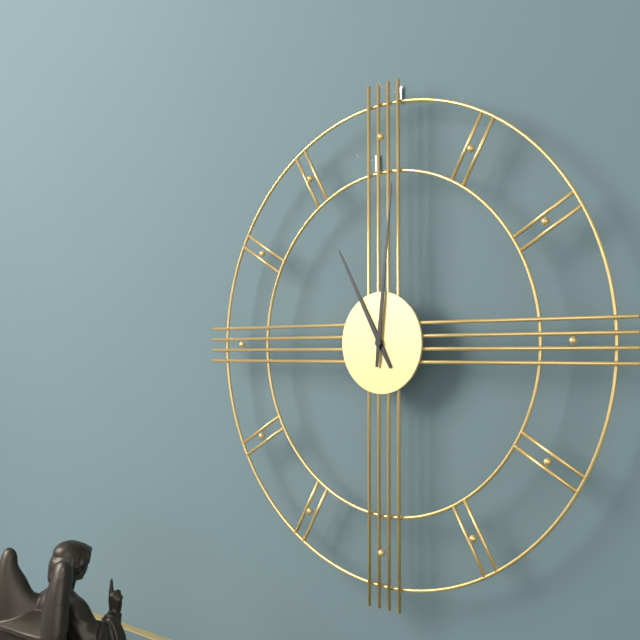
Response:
11h01
